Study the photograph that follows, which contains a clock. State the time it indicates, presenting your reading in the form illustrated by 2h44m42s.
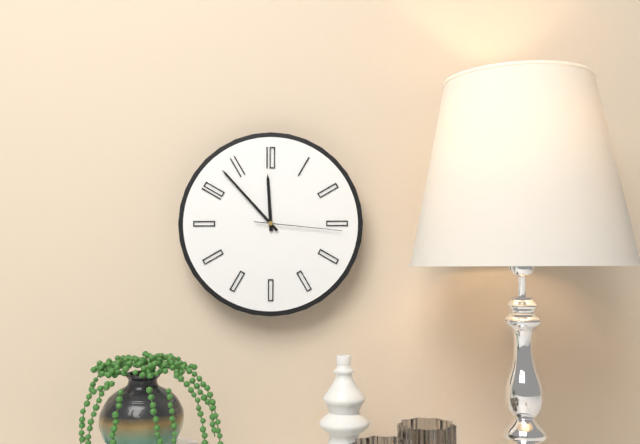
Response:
11h53m16s
